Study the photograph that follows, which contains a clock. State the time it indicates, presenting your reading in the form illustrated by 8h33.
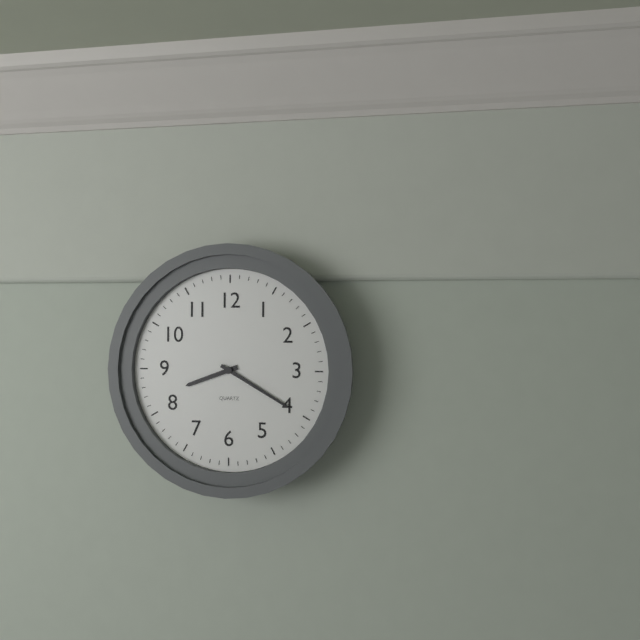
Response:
8h20
